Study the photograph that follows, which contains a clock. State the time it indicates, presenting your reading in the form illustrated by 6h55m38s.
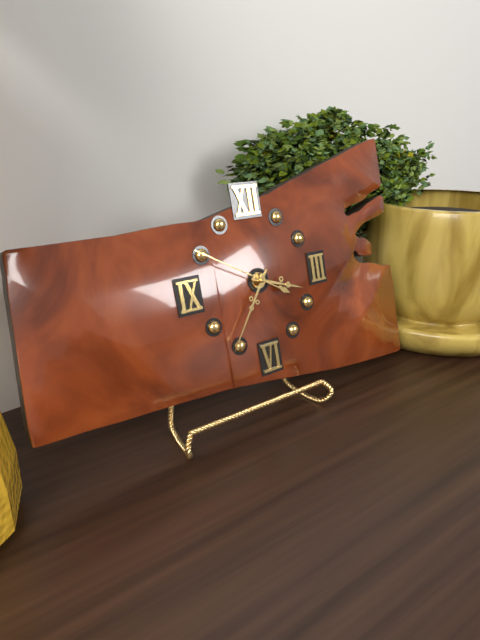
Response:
3h36m50s
